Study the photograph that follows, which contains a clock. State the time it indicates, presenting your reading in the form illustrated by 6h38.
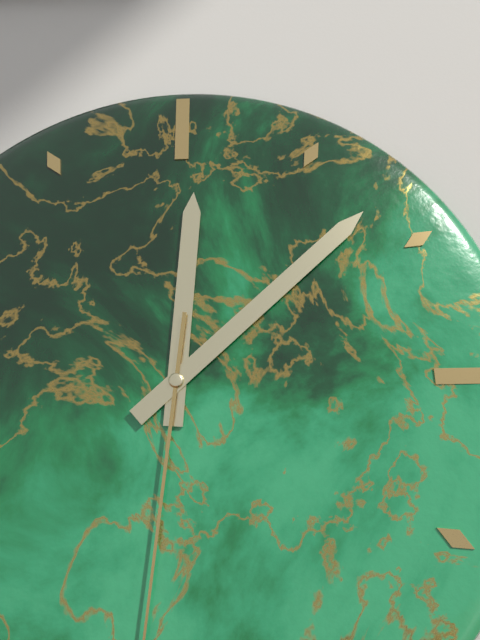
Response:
12h08
